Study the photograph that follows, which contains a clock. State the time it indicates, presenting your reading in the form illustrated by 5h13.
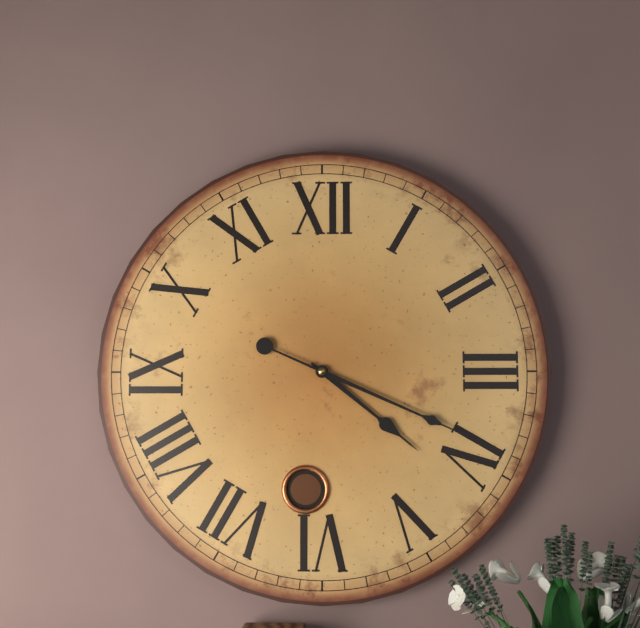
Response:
4h19
